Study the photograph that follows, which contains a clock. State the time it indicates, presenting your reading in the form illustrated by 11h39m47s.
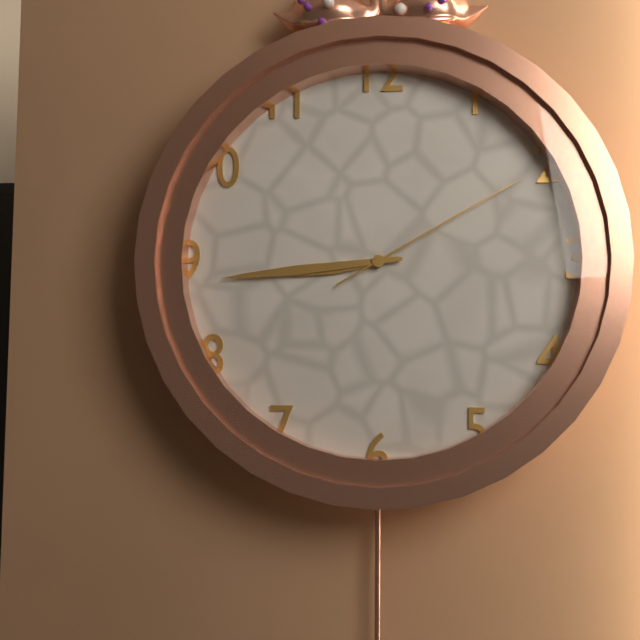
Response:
8h44m10s
